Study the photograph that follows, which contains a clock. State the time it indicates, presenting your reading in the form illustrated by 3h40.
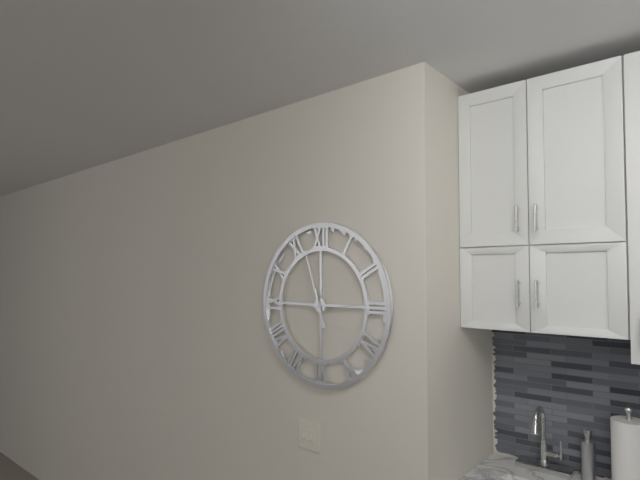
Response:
2h57
